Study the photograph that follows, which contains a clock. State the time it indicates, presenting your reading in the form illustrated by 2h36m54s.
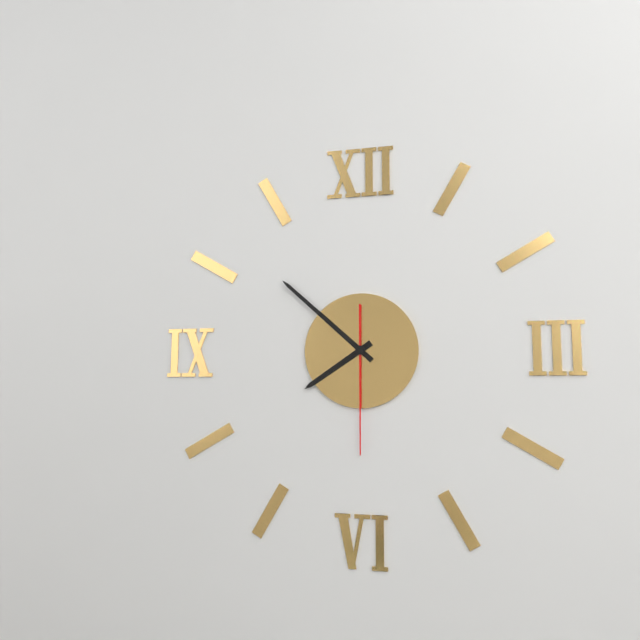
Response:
7h52m30s
